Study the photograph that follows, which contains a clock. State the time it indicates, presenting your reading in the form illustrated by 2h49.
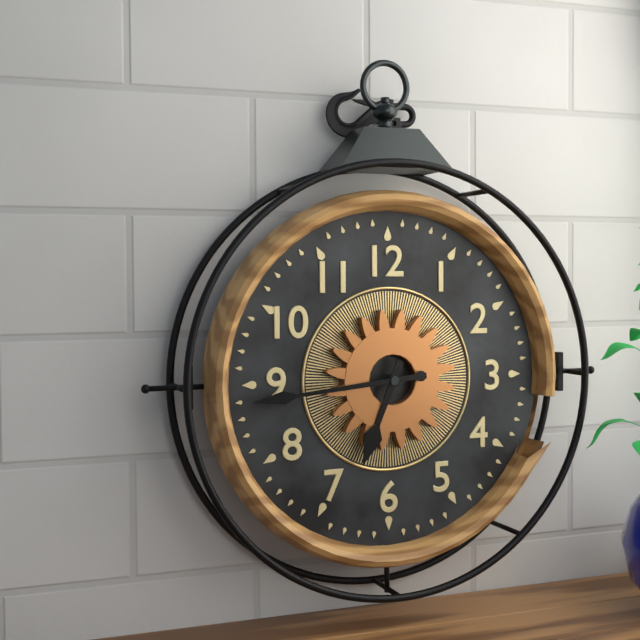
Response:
6h44
